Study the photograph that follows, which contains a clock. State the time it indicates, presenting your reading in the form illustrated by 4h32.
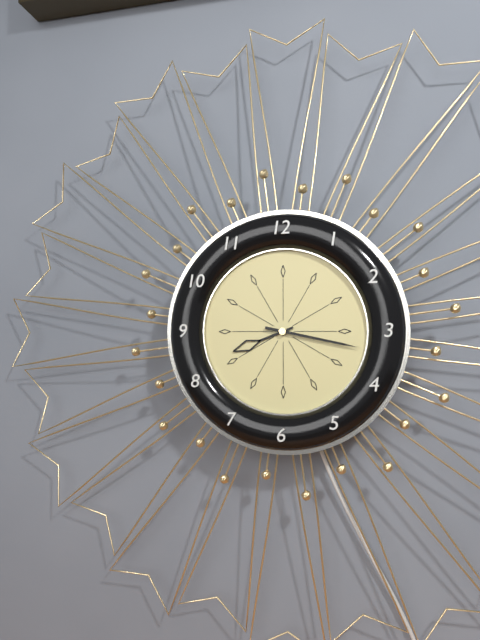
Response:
8h17
